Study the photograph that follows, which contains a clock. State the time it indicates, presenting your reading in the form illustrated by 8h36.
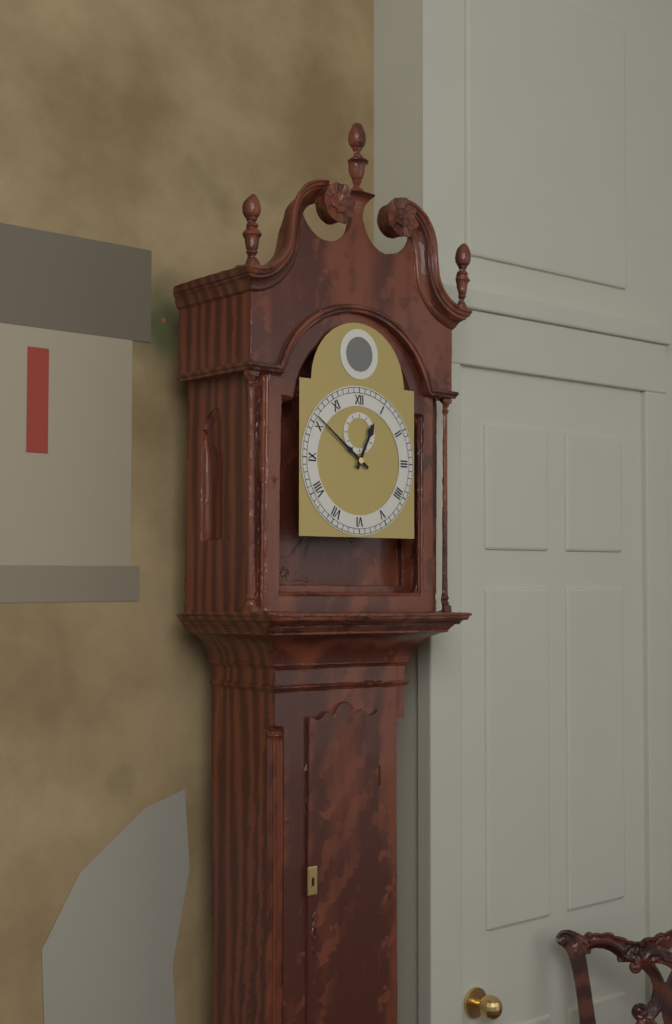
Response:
12h51
